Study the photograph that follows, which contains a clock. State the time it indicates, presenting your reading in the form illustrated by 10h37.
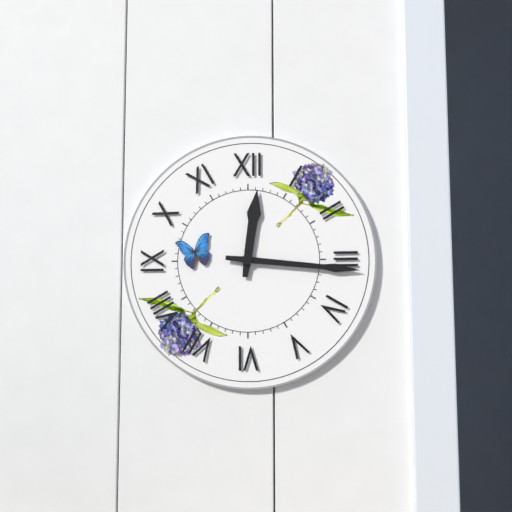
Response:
12h16
